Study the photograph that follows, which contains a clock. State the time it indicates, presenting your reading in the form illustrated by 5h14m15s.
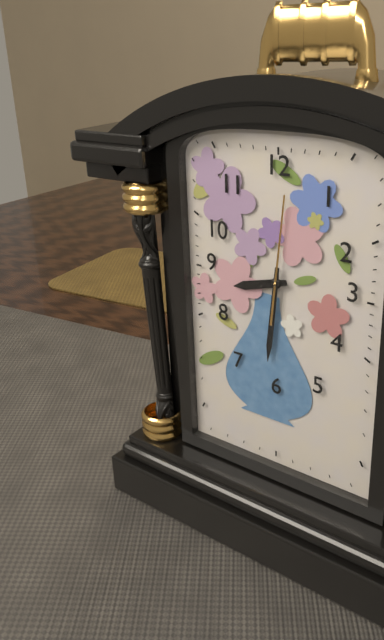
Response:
8h31m01s
